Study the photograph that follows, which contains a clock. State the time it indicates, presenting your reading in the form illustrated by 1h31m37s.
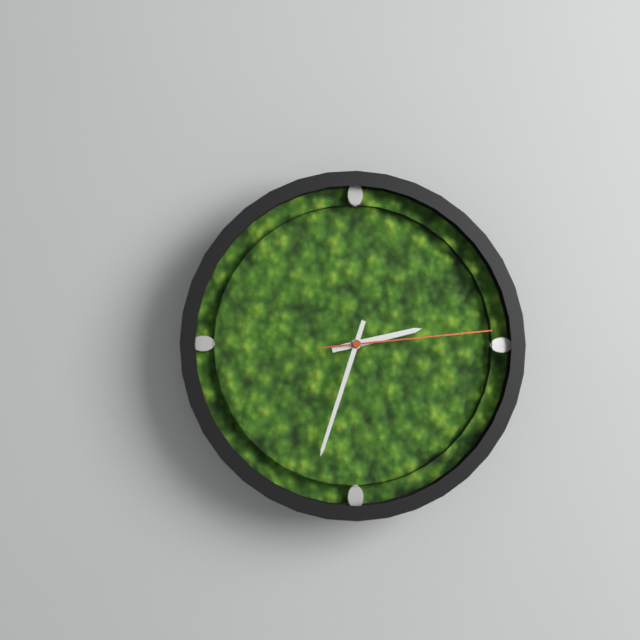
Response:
2h33m14s
